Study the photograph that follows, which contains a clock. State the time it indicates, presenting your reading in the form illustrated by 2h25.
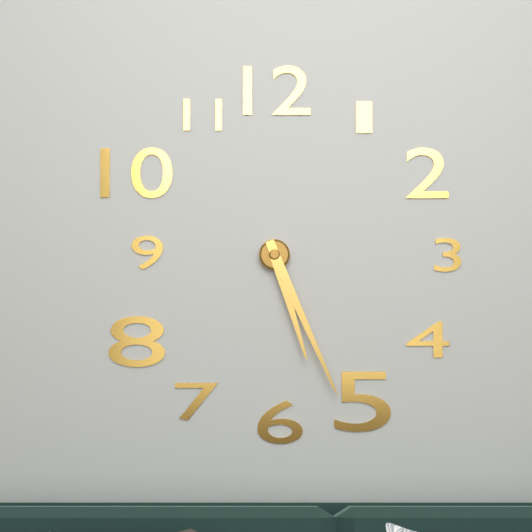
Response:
5h26
